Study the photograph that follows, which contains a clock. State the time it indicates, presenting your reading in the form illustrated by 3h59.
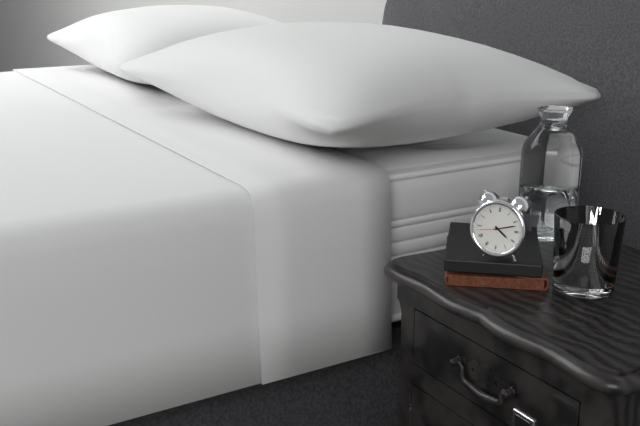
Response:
4h12
